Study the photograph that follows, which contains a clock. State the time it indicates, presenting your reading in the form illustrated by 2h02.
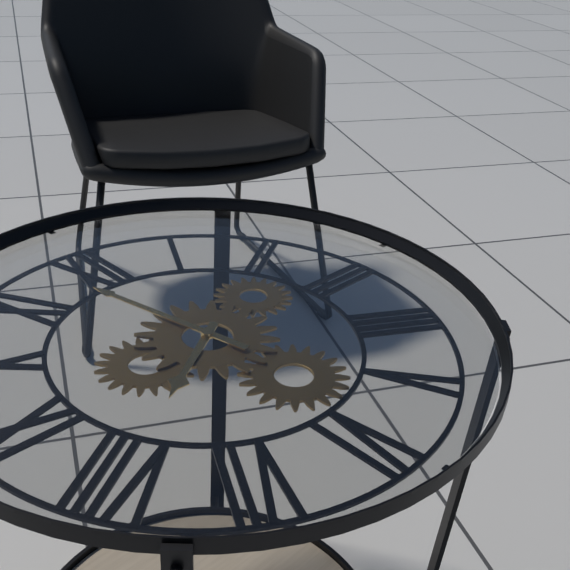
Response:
7h58
